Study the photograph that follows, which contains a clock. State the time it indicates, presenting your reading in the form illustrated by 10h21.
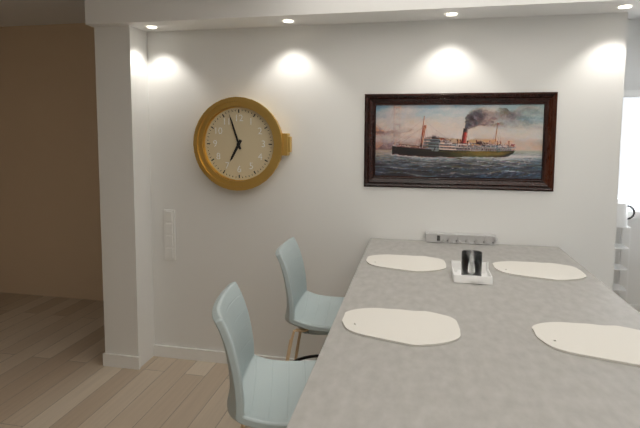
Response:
6h57
